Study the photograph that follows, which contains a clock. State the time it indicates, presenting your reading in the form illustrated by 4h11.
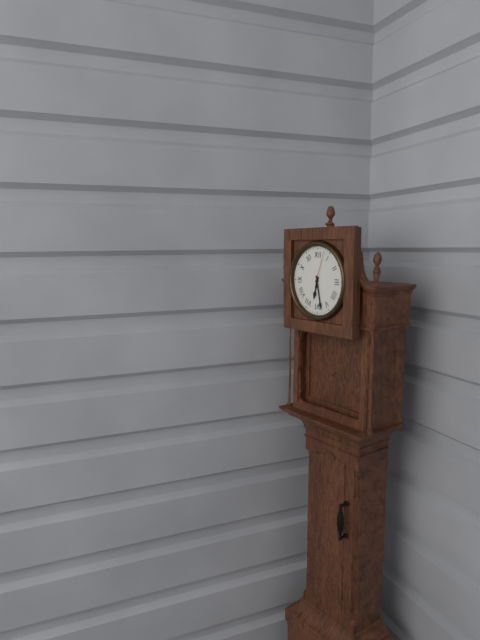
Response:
6h28
